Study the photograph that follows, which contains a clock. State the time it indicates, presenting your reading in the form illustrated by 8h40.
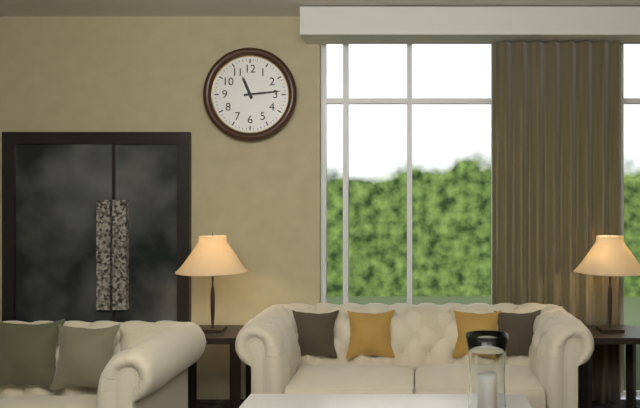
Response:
11h14
